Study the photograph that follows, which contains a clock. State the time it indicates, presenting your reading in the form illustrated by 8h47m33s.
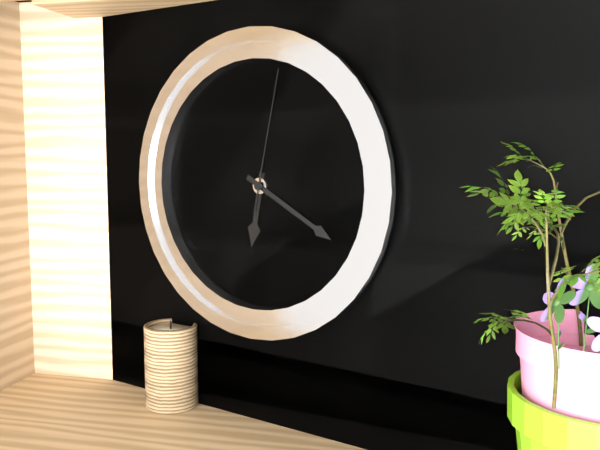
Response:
6h20m02s
